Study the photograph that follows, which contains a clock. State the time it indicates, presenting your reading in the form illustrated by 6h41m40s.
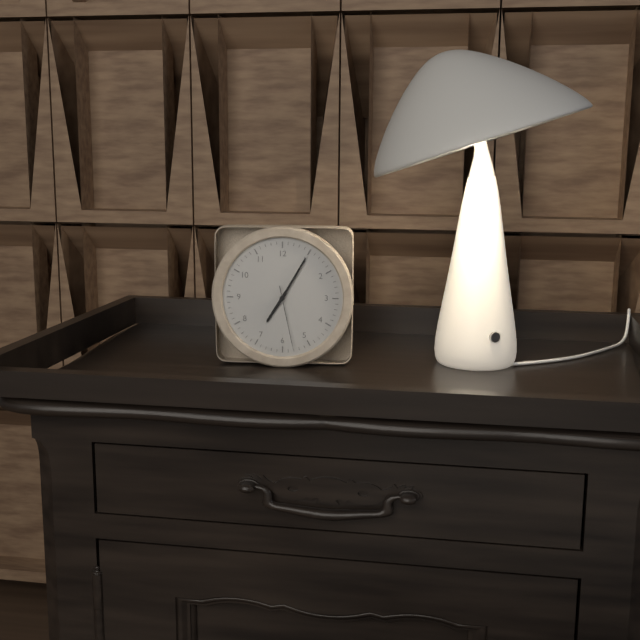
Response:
7h05m28s
